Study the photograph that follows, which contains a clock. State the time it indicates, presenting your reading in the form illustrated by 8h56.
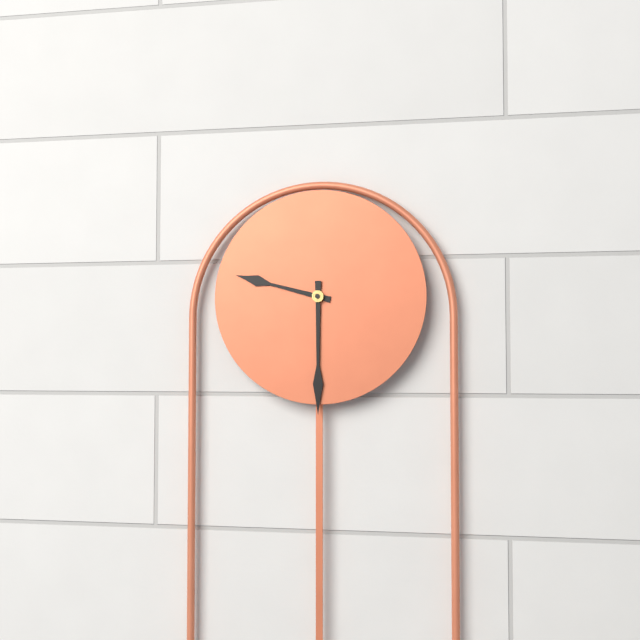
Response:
9h30
